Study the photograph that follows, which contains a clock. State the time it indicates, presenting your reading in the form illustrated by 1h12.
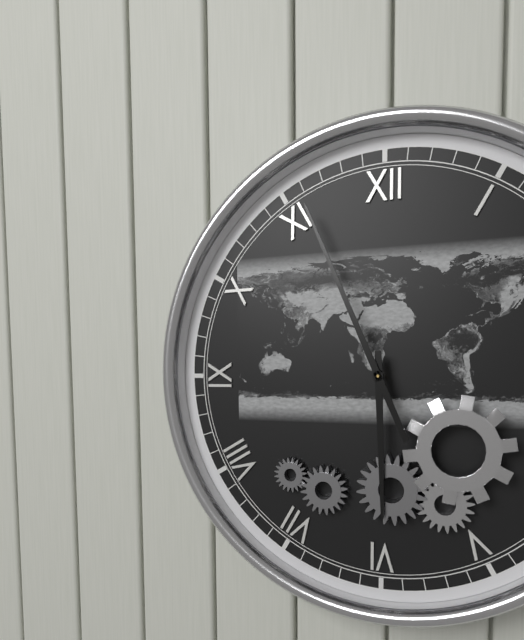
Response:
5h56
